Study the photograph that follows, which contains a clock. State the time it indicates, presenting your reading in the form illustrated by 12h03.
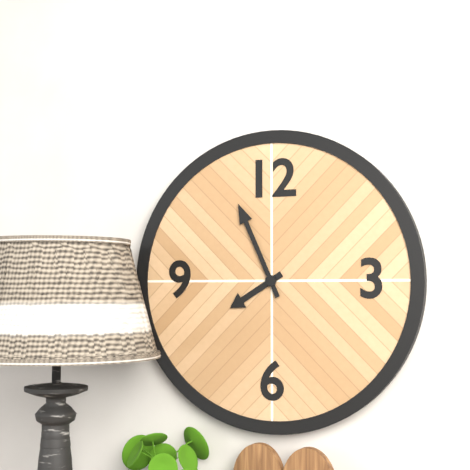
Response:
7h56
